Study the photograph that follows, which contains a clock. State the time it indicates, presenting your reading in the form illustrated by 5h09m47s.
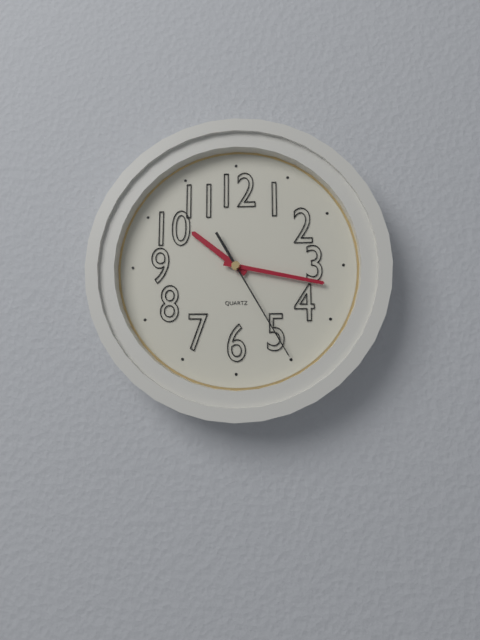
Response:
10h17m25s
